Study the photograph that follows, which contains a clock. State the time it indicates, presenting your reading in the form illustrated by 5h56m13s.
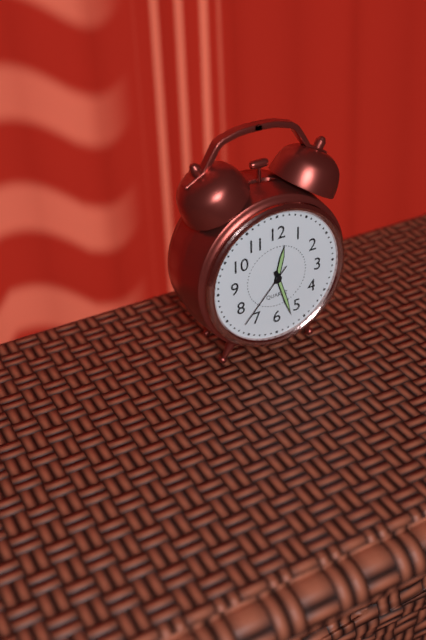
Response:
12h27m37s
